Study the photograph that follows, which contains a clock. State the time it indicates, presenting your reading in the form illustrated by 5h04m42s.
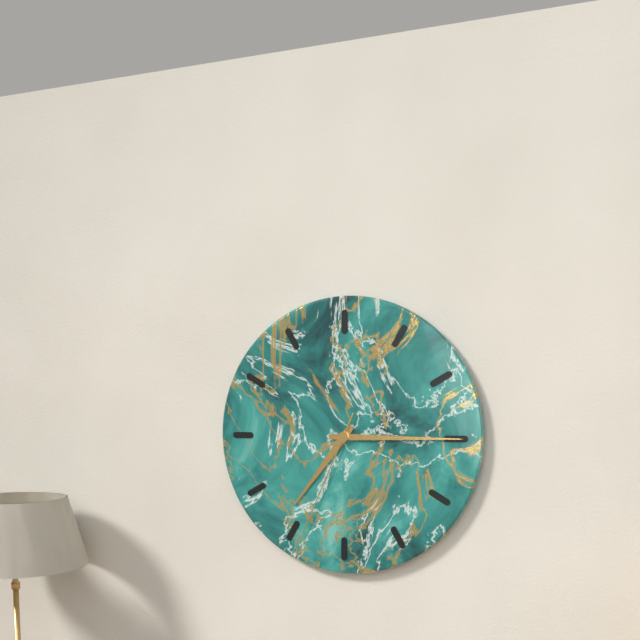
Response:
7h15m34s
